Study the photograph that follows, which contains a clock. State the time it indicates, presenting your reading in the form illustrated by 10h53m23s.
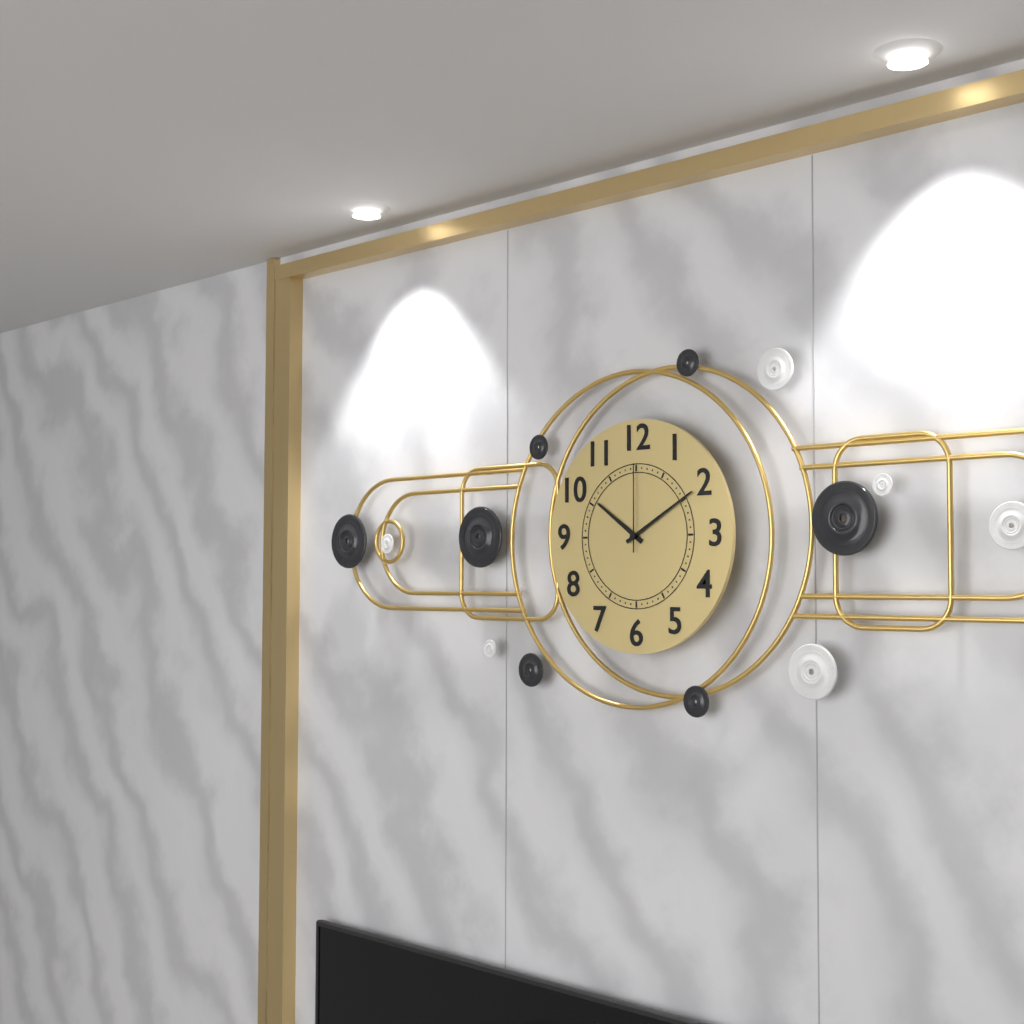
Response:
10h10m00s
